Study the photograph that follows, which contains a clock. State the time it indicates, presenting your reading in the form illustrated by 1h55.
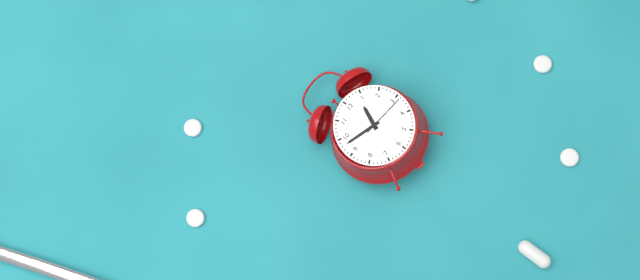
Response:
12h48
